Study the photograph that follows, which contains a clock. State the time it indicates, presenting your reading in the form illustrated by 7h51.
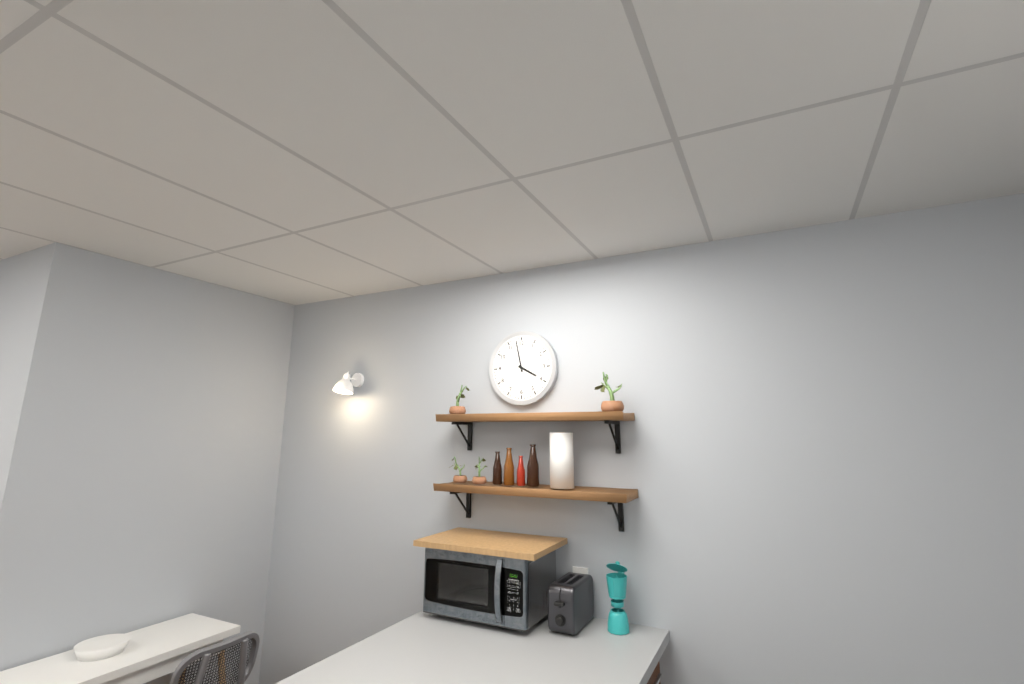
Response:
3h58
